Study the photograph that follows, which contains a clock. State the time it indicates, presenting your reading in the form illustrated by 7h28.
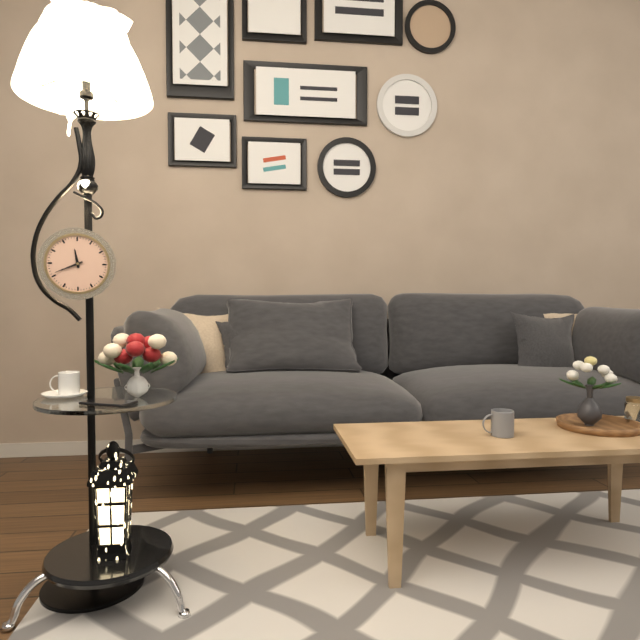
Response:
11h41
